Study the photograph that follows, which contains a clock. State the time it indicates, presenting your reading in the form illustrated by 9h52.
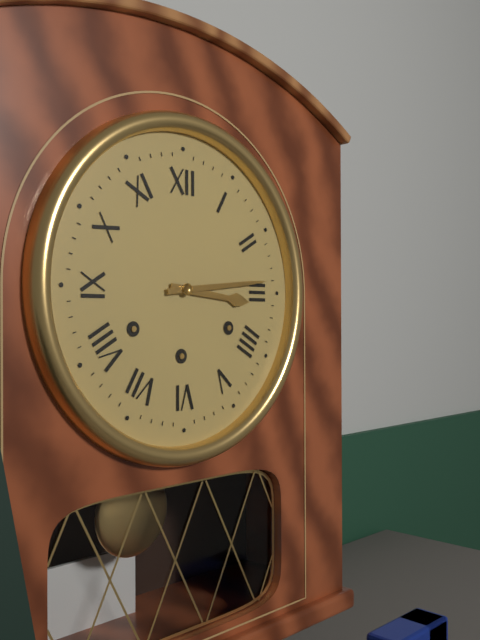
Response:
3h14
